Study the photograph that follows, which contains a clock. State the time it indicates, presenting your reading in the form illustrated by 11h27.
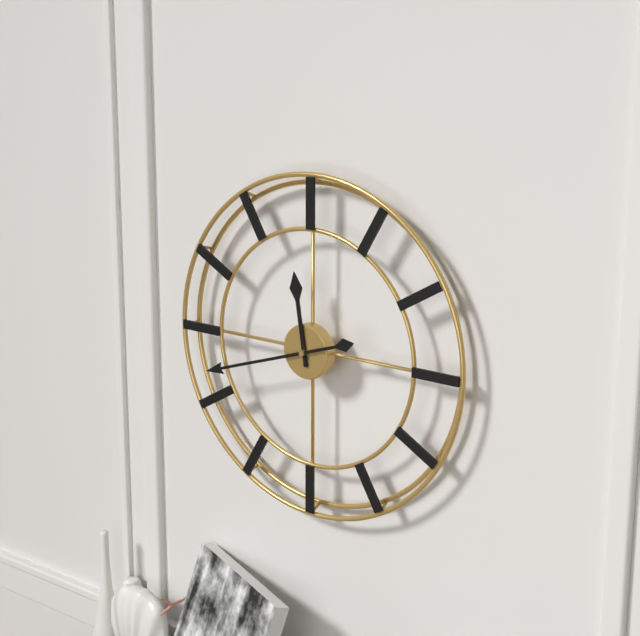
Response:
11h42
